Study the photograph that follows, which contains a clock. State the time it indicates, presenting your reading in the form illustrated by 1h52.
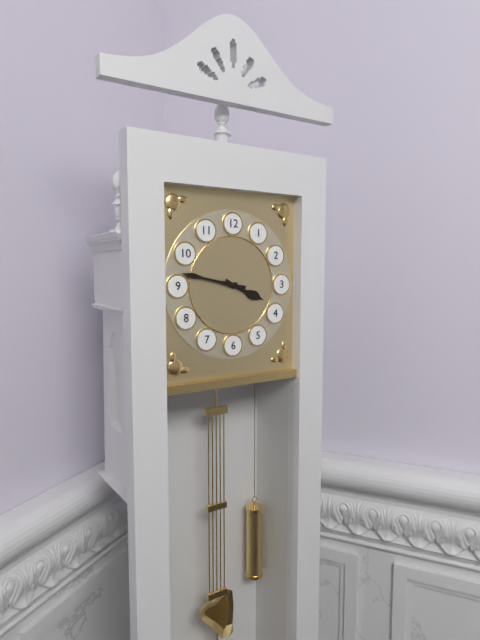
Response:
3h47
